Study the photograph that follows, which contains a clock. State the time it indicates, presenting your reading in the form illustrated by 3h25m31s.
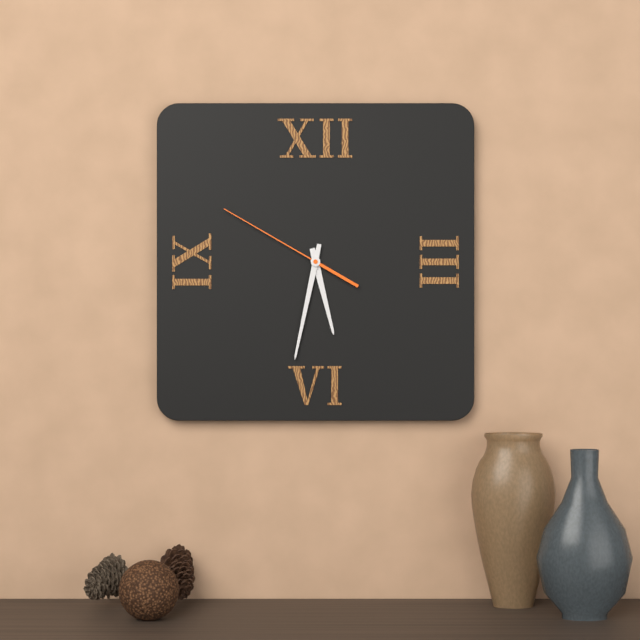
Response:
5h32m50s
